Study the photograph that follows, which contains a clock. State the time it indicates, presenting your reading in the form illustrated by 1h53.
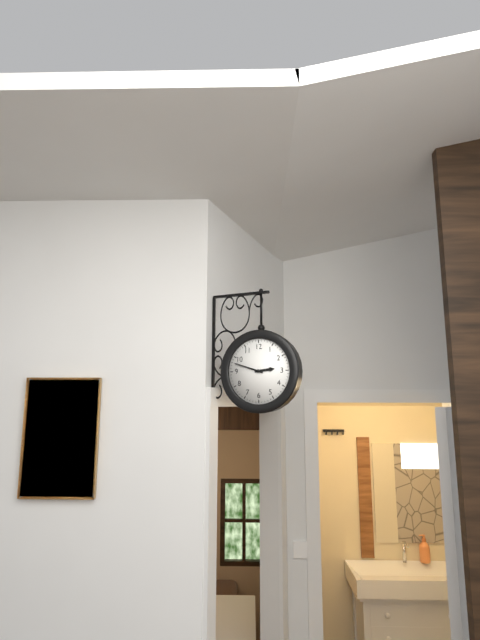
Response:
2h48
